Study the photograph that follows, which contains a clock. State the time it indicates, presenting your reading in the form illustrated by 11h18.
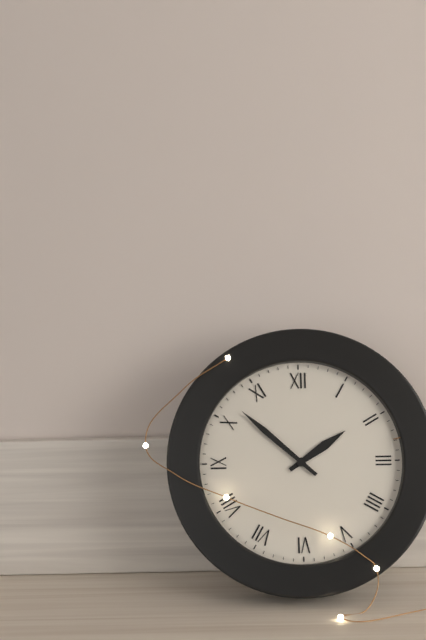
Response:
1h52
